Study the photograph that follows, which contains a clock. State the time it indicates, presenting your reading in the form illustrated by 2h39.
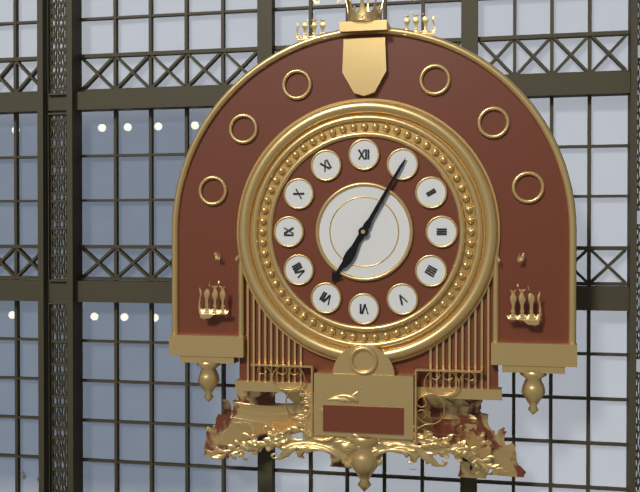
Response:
7h05
